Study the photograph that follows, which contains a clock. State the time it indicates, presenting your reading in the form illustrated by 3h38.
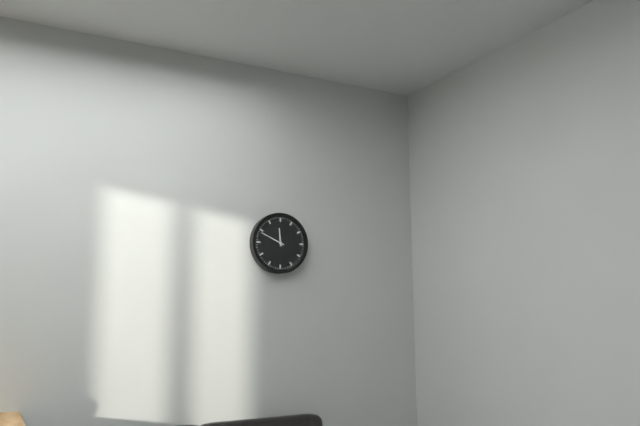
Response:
11h49
